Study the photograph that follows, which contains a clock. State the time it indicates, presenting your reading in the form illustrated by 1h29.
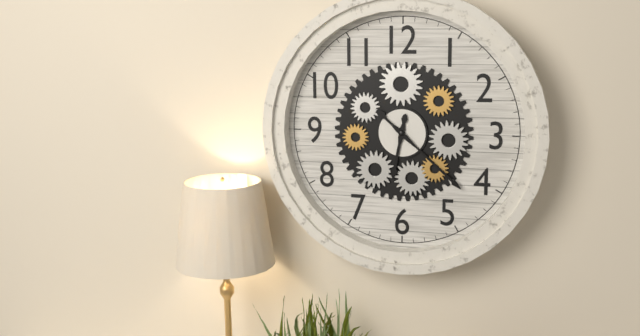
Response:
6h22
